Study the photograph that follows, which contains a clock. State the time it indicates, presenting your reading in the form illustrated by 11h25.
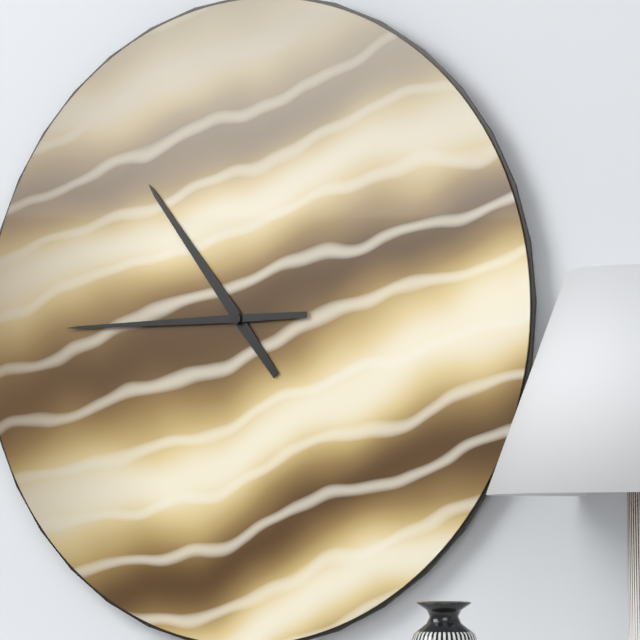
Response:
10h45
